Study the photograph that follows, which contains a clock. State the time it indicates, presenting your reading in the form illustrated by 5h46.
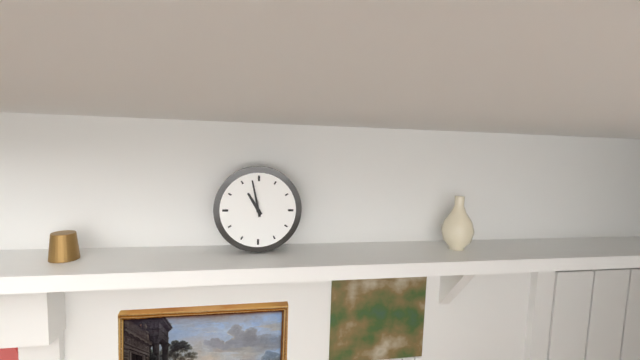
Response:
10h58
